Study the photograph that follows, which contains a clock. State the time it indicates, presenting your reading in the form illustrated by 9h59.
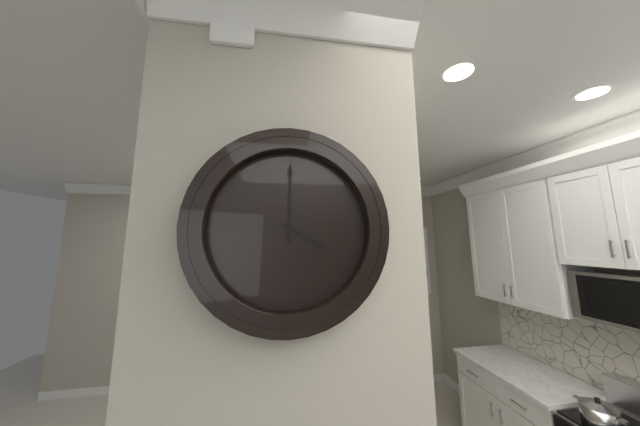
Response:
4h00
